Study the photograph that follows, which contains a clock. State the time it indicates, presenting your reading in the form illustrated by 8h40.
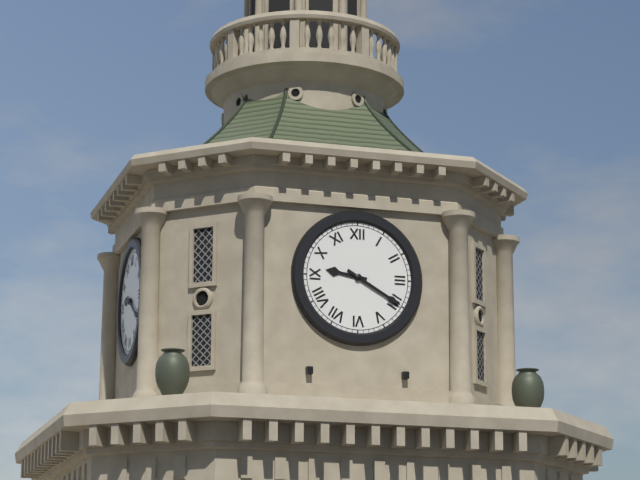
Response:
9h20
